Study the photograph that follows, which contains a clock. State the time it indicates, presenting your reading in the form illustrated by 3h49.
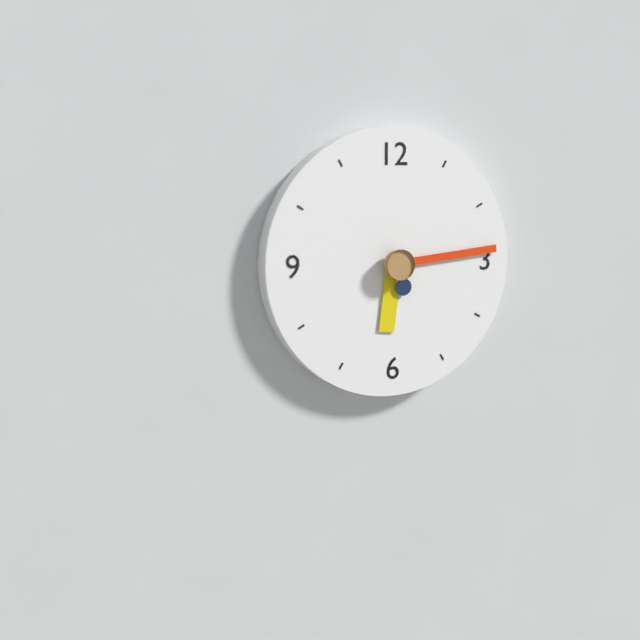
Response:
6h14
